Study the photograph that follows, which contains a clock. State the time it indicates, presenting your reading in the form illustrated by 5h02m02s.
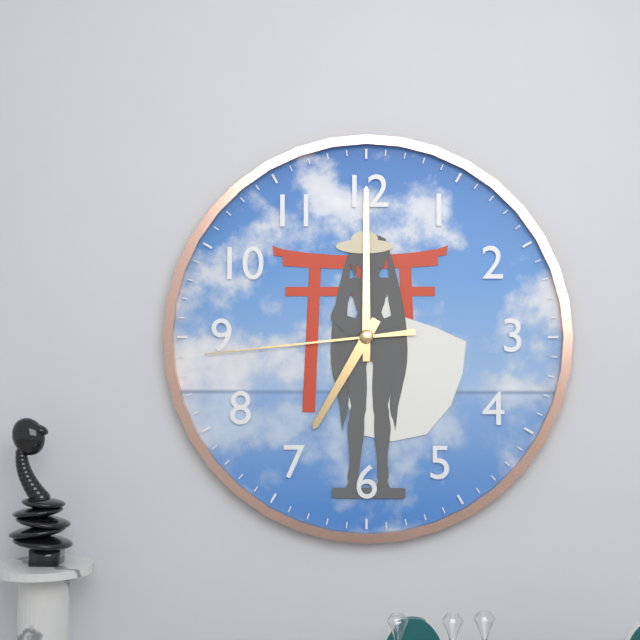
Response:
7h00m44s
